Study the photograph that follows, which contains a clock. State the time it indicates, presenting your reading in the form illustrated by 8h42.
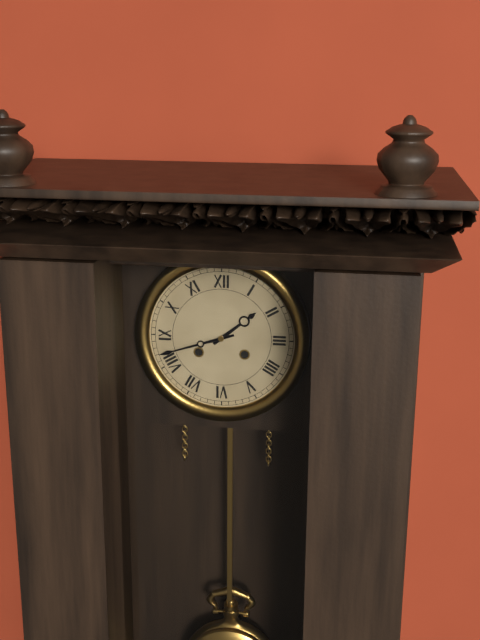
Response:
1h42
